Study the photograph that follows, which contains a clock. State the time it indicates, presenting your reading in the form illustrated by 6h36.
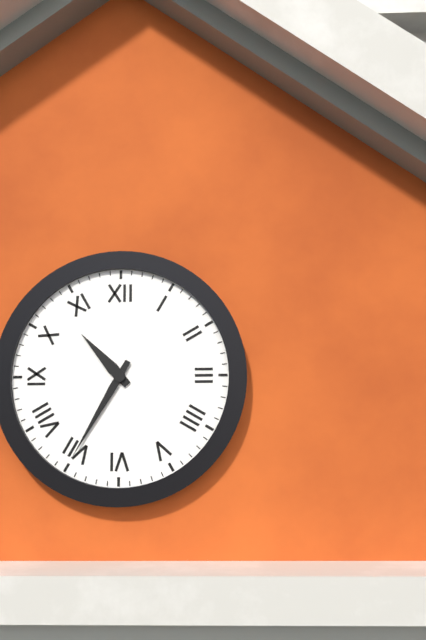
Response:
10h35
